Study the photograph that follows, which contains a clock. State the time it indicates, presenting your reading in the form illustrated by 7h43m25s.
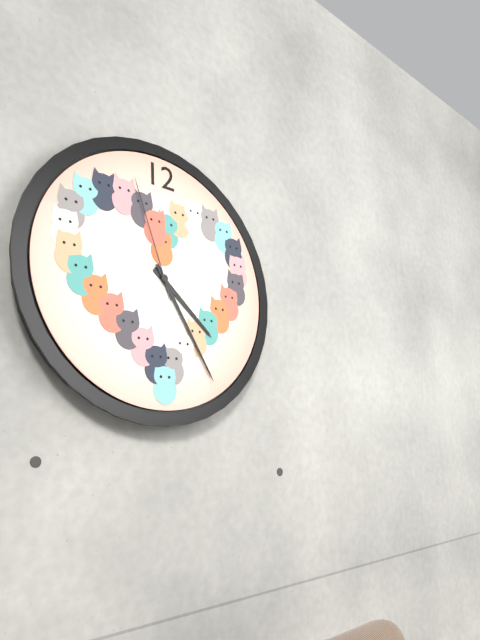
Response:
4h25m57s
